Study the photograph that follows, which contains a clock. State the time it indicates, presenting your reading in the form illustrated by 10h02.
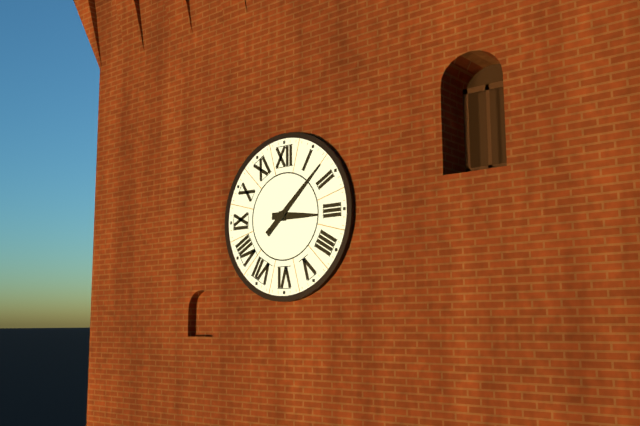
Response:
3h08
